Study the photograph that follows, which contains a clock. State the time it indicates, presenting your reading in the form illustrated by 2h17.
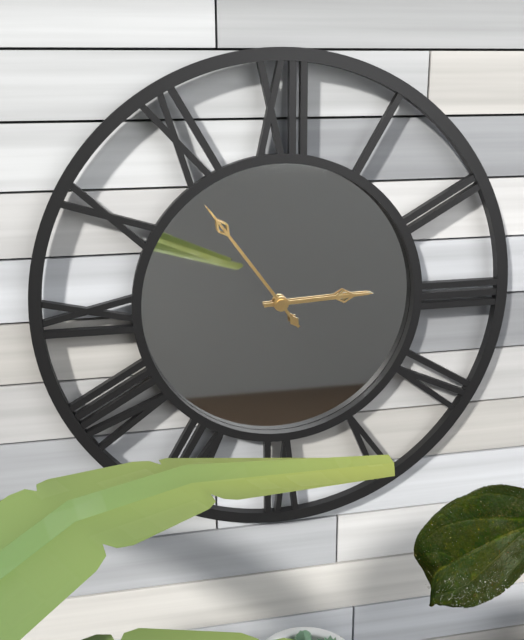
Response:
2h54
